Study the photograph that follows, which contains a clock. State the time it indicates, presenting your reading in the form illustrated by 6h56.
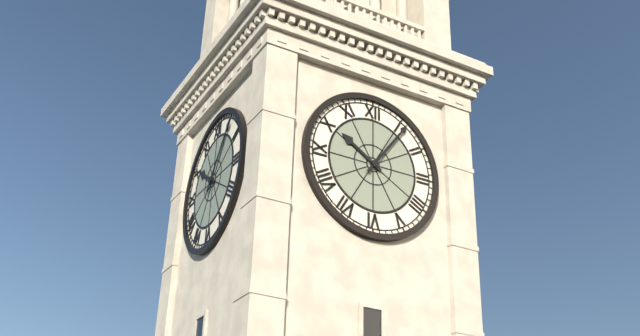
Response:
10h06
